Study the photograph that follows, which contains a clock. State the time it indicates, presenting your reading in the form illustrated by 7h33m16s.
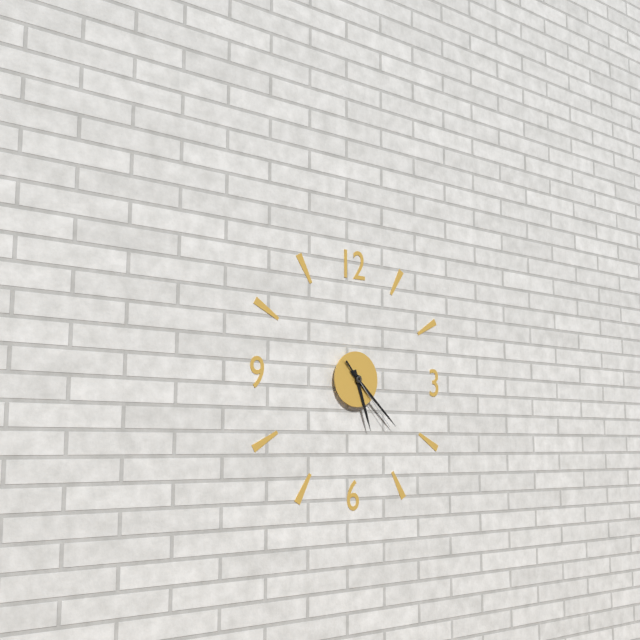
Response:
5h22m23s
